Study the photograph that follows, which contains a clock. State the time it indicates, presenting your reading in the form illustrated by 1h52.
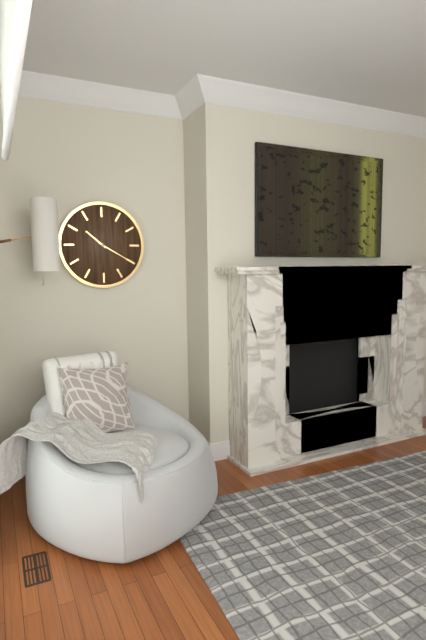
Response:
10h20
